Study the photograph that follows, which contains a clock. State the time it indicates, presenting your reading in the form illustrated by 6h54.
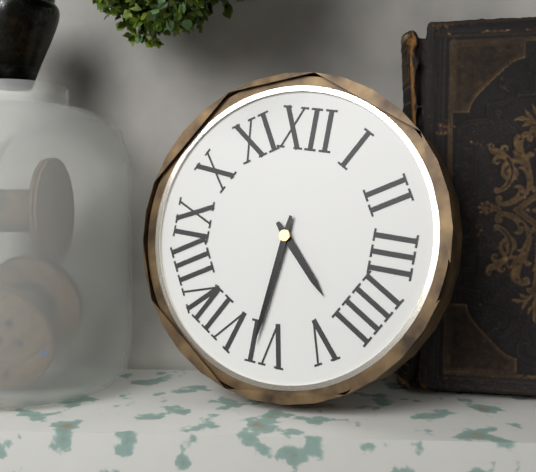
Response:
4h31
